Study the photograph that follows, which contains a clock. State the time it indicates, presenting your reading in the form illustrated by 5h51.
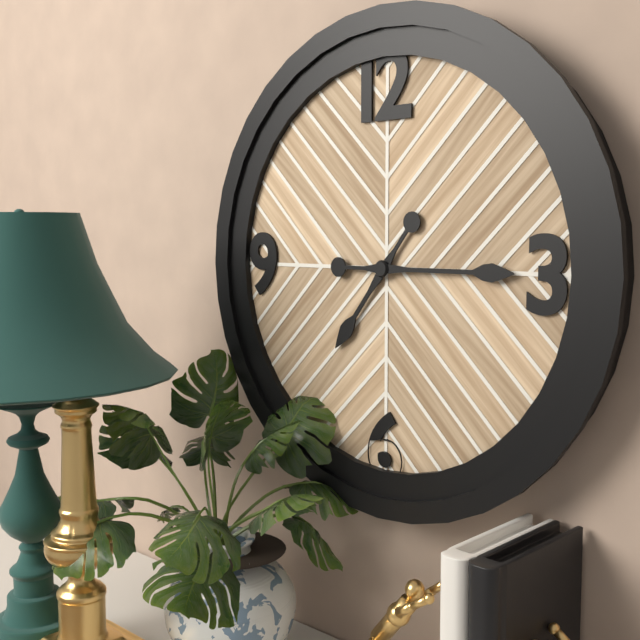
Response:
7h15
